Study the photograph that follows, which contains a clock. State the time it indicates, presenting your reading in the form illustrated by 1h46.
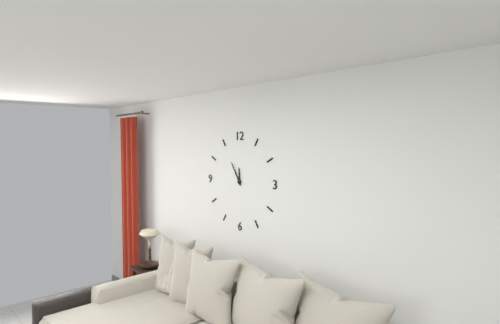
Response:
11h55
